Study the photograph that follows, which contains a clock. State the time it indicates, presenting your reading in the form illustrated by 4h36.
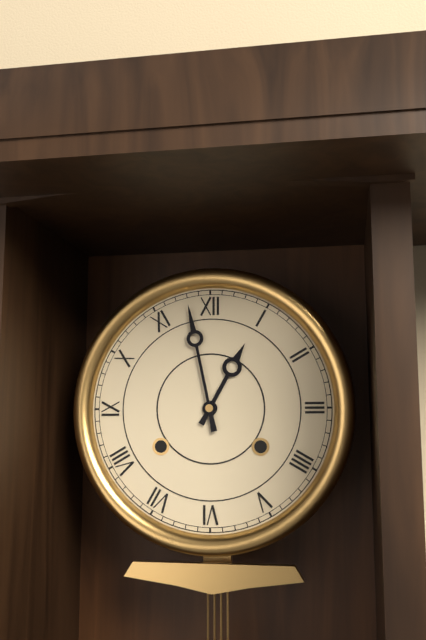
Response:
12h58
